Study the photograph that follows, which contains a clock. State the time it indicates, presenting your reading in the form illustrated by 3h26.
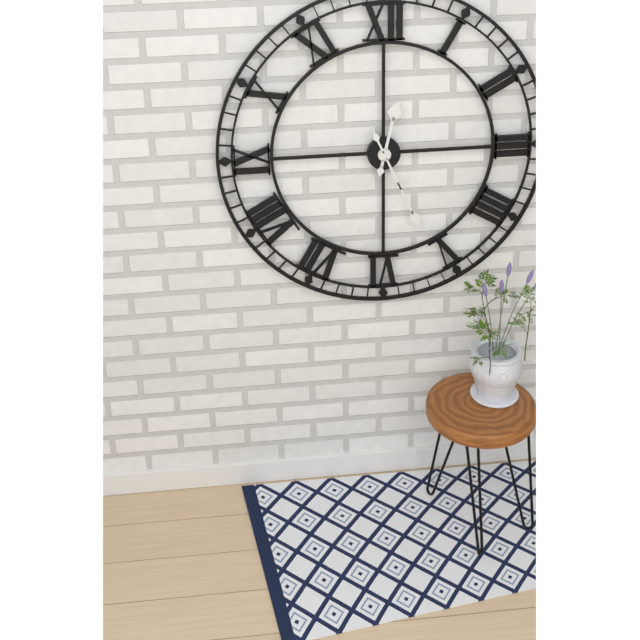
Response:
12h26
